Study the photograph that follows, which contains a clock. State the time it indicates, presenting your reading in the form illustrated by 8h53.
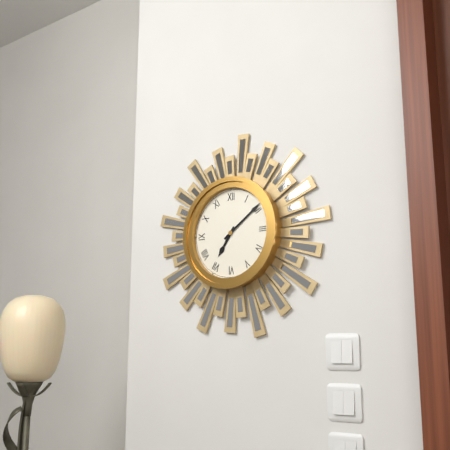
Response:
7h09
